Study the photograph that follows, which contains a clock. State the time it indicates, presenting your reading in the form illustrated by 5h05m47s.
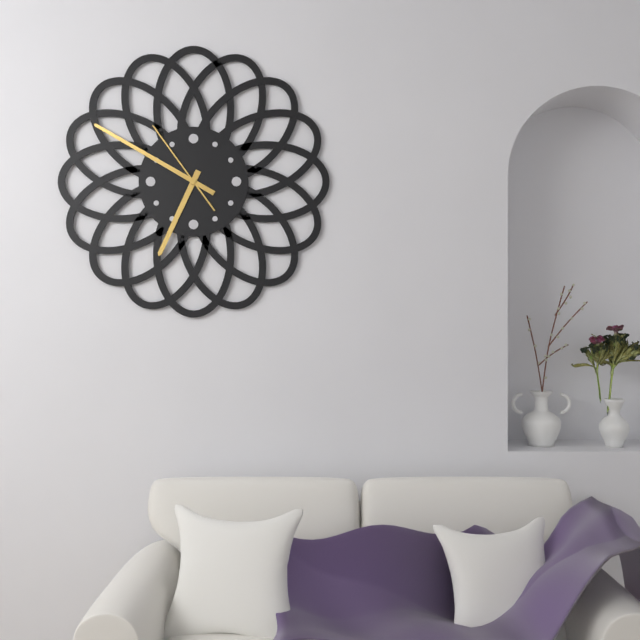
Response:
6h50m54s
